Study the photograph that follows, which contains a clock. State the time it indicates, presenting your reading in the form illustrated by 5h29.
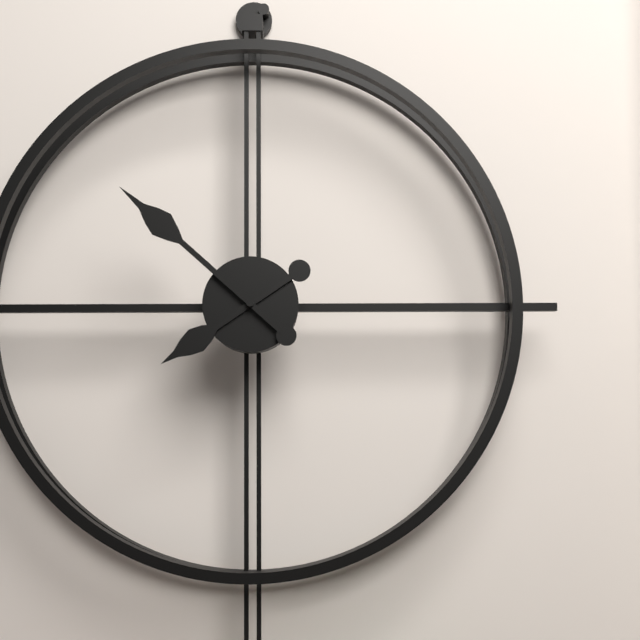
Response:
7h52
